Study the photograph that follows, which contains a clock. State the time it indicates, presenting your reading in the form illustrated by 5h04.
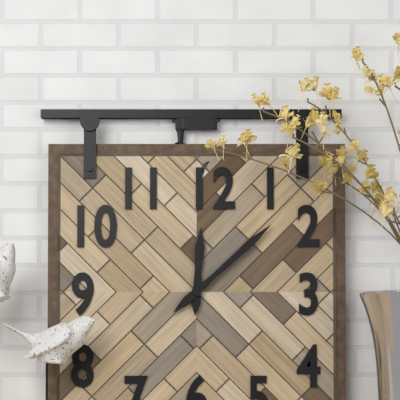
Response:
12h08
